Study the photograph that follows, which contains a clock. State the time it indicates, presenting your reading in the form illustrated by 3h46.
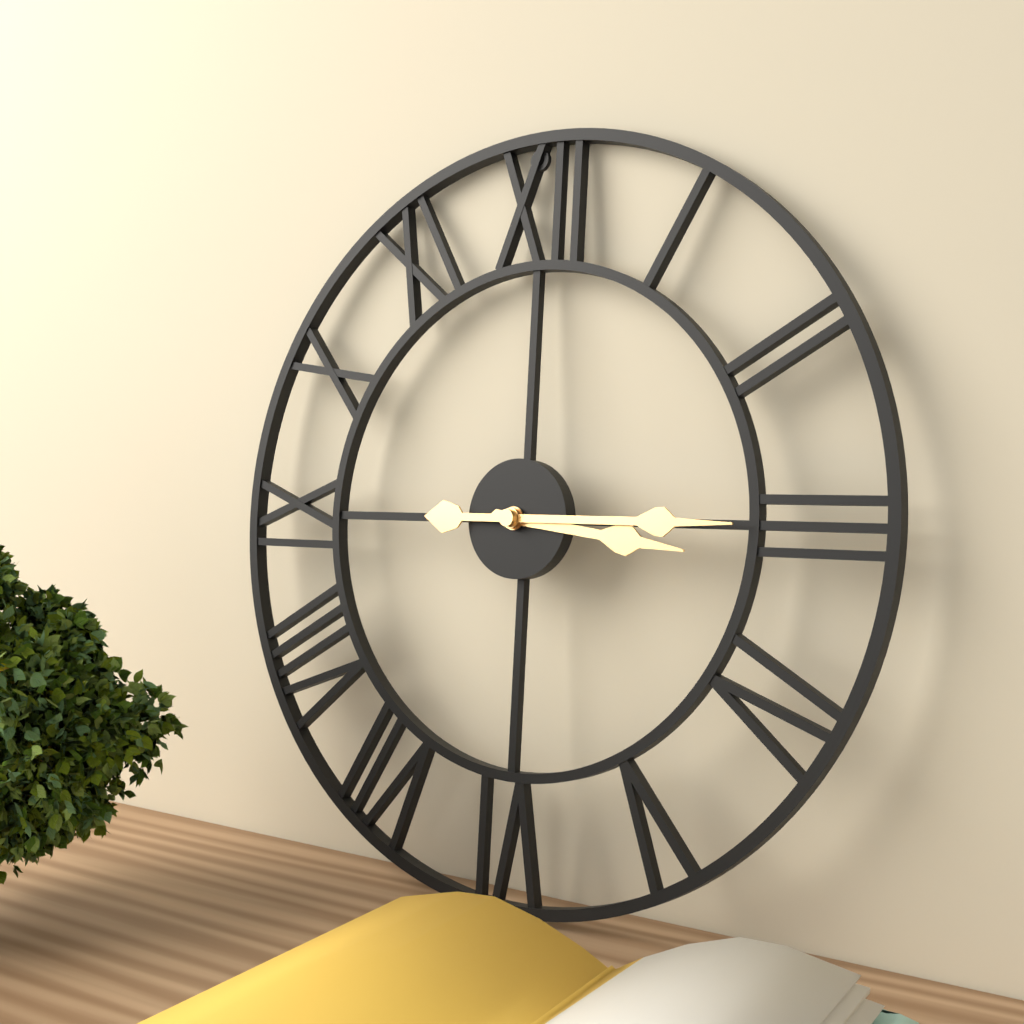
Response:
3h15
